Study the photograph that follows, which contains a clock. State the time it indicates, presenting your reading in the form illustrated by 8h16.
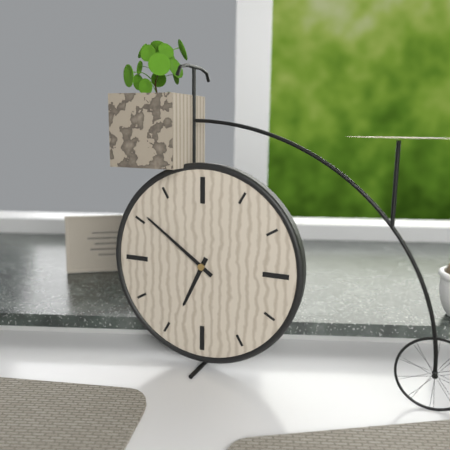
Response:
6h51
